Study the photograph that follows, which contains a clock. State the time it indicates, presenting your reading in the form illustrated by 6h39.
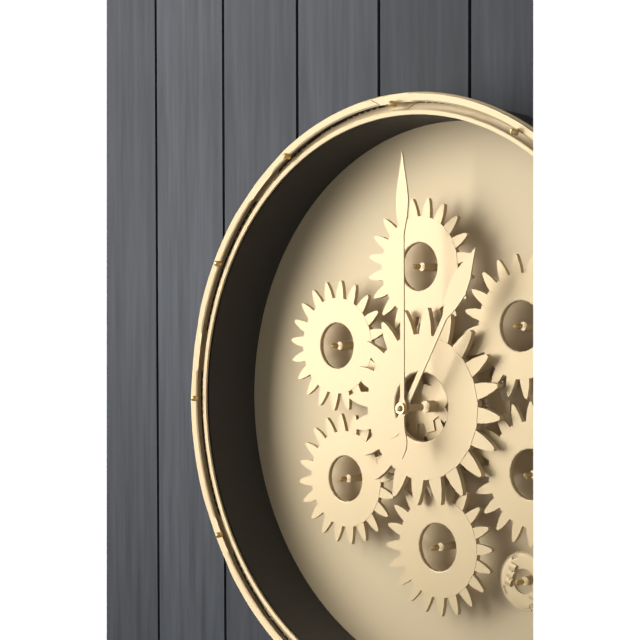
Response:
1h00
